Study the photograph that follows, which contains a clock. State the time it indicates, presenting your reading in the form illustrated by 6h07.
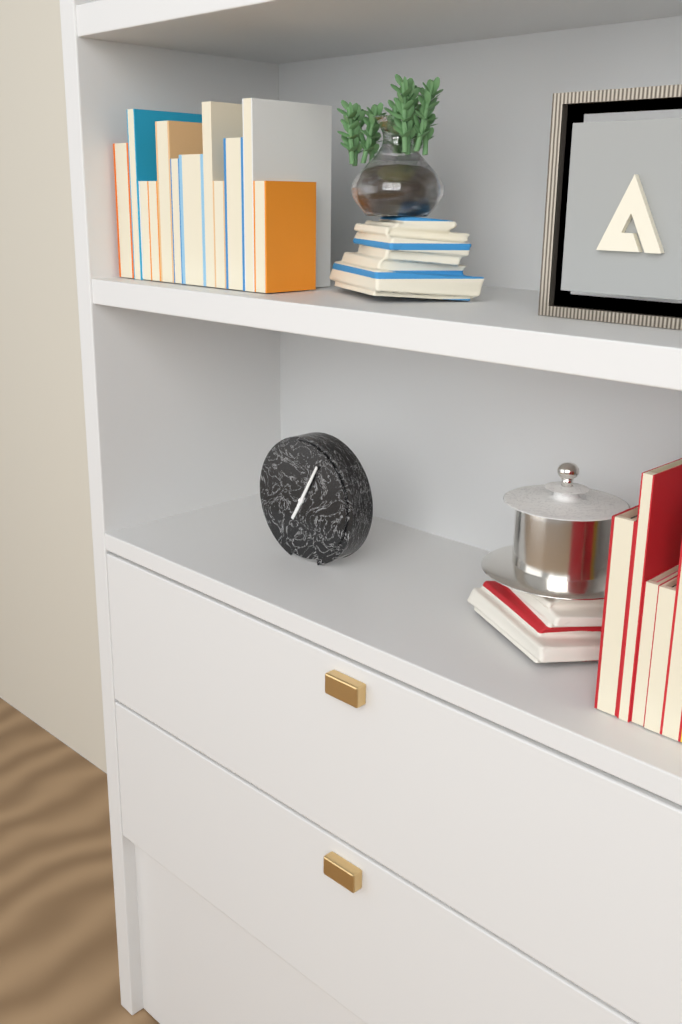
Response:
7h05
